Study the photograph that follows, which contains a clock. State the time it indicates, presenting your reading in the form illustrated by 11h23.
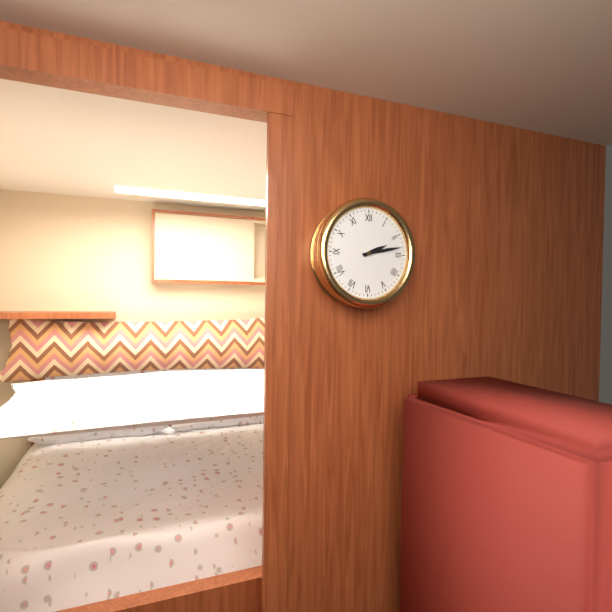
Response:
2h13
